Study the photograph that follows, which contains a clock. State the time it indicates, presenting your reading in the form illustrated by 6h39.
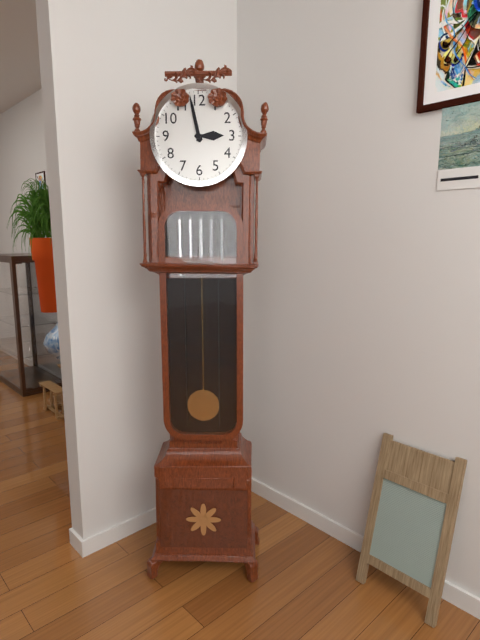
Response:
2h58
